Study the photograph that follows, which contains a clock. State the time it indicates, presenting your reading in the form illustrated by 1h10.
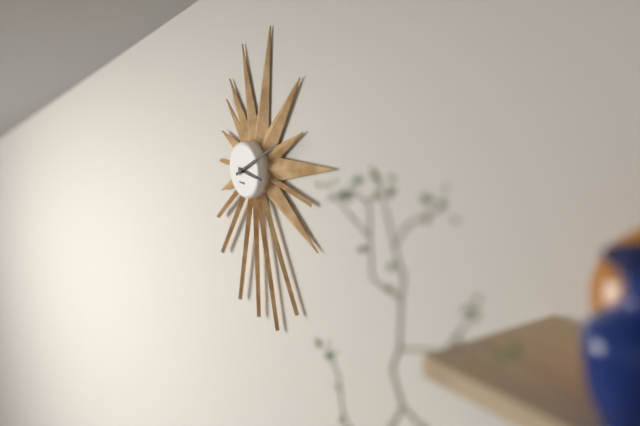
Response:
3h10
